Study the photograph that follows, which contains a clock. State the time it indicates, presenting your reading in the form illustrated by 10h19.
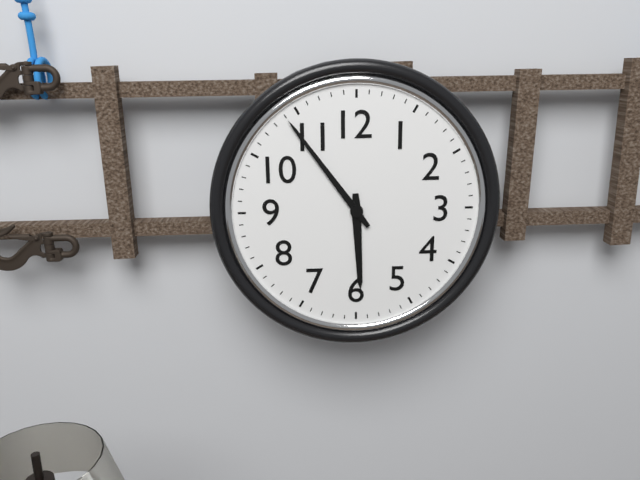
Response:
5h54
